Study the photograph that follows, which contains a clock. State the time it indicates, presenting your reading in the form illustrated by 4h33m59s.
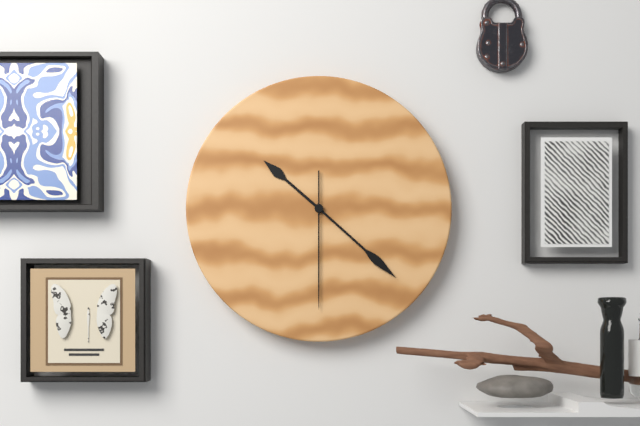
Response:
10h22m30s
